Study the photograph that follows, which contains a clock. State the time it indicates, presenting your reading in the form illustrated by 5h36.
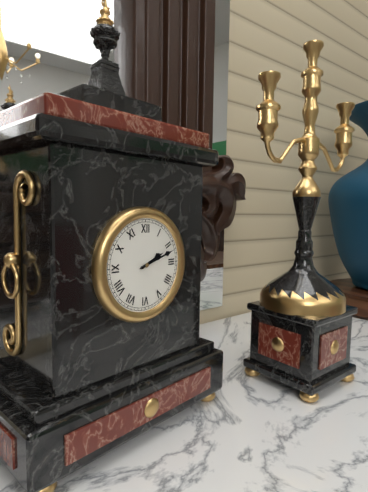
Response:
2h12
